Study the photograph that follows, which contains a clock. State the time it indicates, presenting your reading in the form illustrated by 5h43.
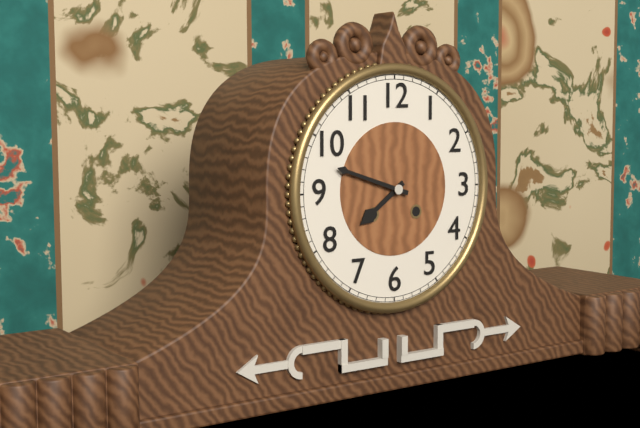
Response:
7h48
